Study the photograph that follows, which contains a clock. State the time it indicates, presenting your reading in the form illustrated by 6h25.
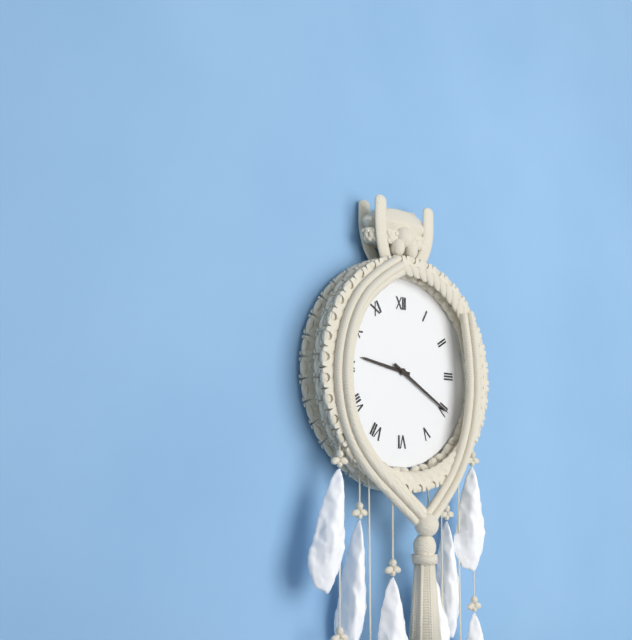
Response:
9h20
